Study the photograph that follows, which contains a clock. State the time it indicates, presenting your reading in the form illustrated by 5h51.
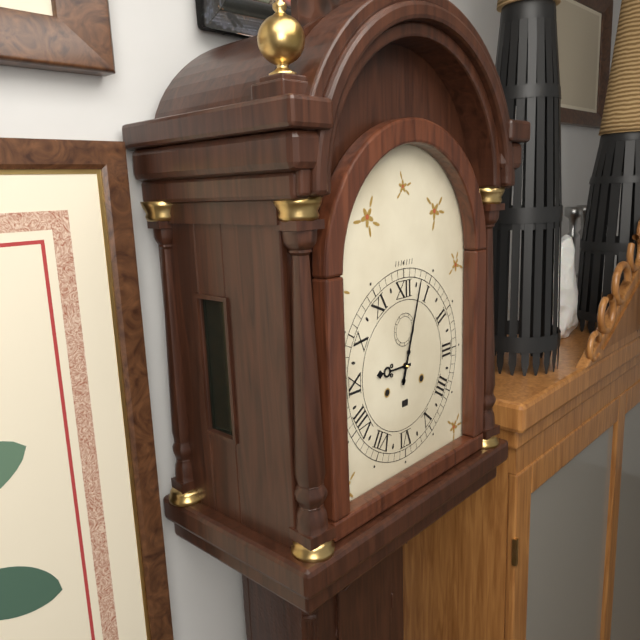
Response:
9h03
